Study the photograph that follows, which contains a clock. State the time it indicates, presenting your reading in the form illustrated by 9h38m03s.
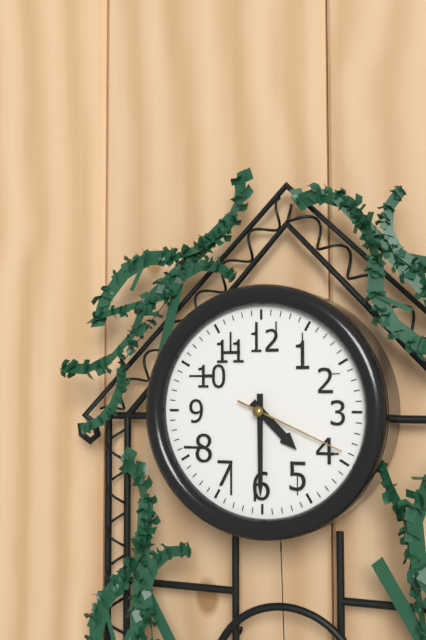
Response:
4h30m19s
